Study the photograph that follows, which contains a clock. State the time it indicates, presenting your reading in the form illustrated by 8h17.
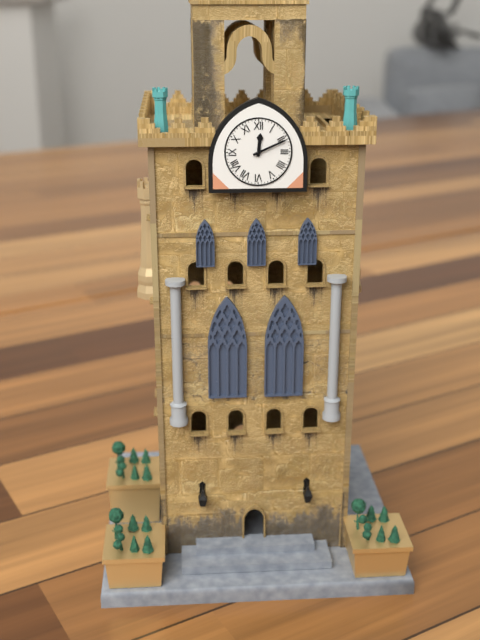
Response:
12h11
